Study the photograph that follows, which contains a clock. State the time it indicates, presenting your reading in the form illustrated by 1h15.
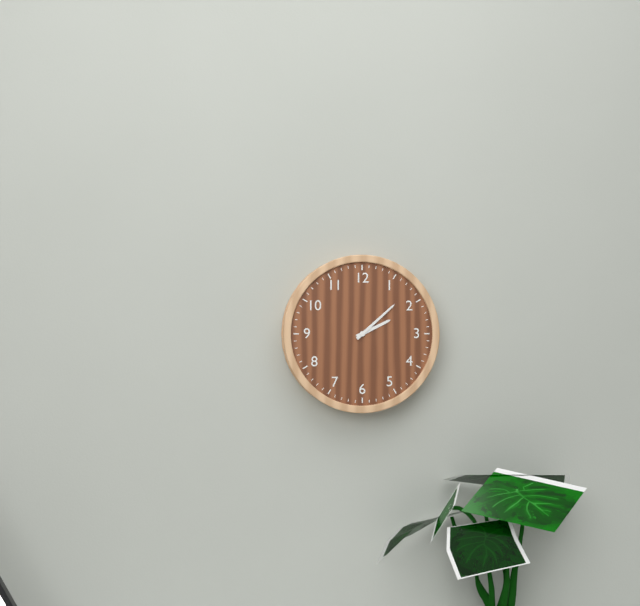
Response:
2h08
